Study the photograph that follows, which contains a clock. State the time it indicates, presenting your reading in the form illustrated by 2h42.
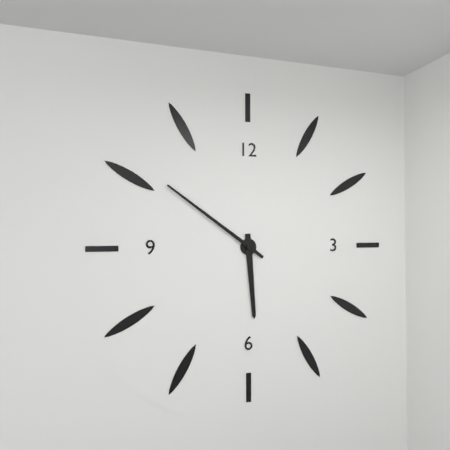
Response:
5h51
